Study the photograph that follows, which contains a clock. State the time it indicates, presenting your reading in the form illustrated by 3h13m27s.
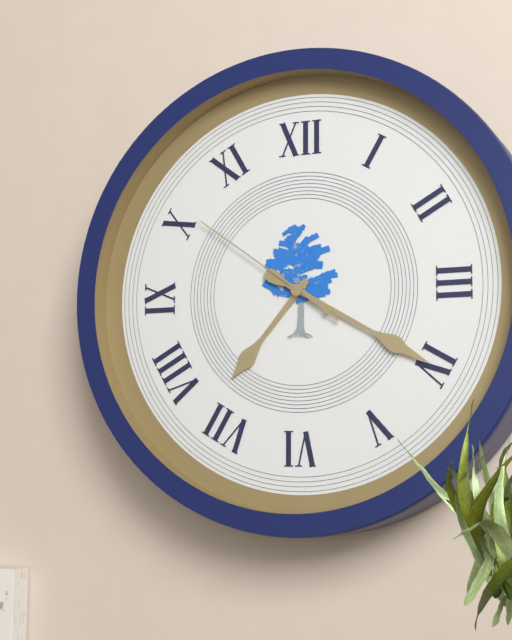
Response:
7h20m51s
